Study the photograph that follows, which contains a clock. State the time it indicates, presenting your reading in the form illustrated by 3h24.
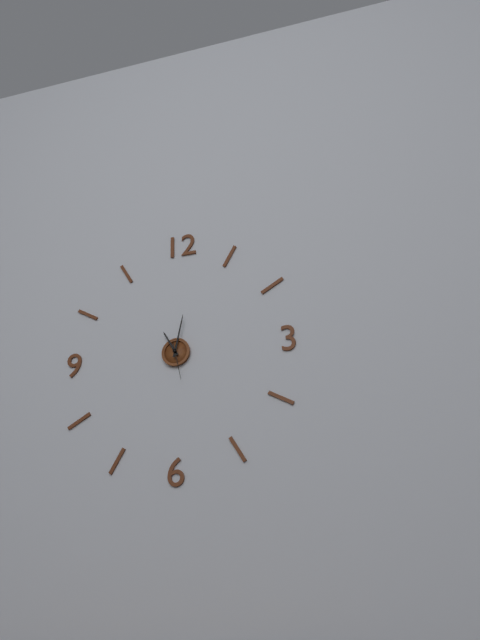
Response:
11h02
